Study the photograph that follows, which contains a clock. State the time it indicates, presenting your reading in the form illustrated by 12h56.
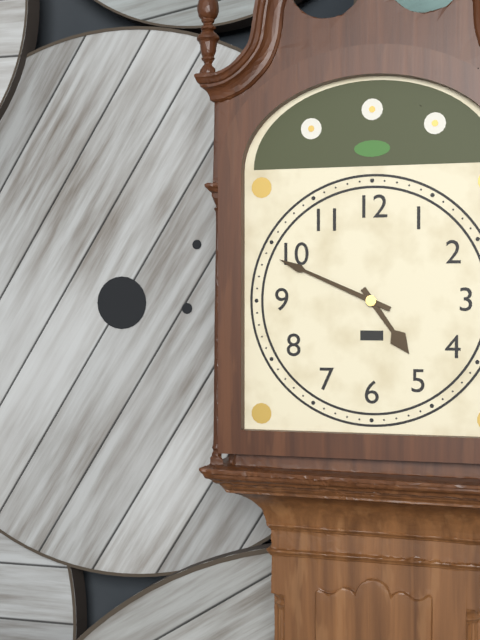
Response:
4h49
